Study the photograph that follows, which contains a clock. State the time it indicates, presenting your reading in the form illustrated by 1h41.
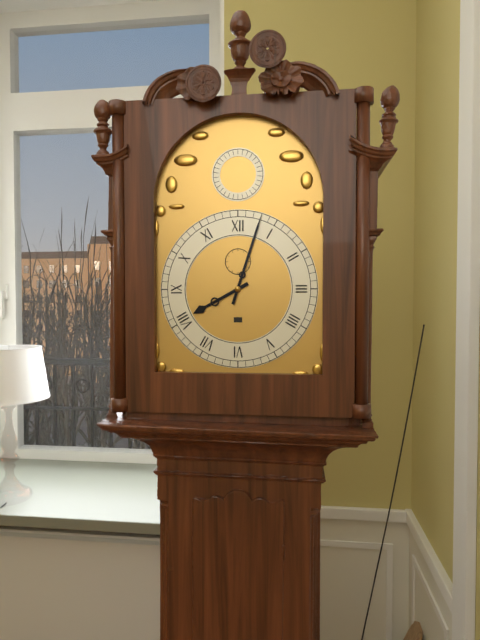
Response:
8h03
